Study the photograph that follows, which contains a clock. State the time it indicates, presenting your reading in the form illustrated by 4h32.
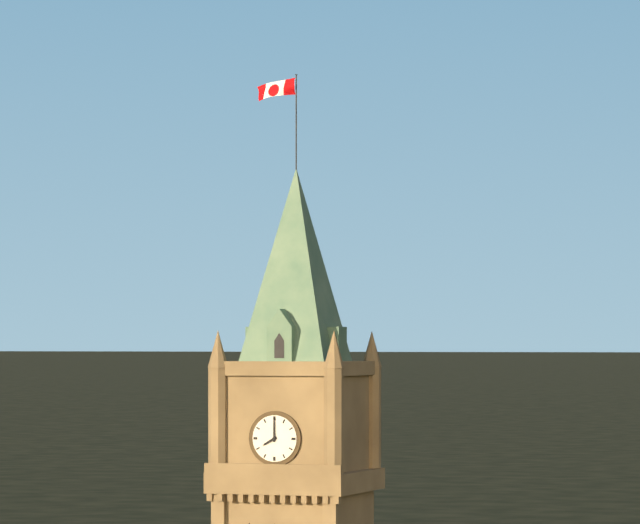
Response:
8h00
